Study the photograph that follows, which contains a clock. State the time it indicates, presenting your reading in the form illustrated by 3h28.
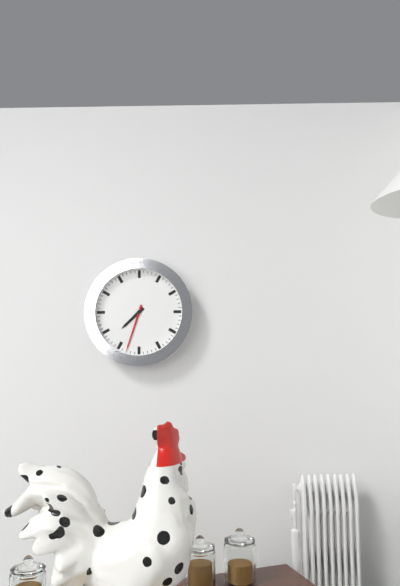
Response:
7h33
